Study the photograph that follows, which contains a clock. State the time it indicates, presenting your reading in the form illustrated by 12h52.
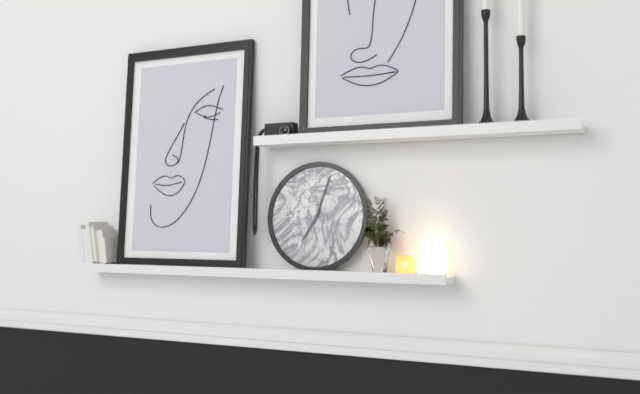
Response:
7h03
